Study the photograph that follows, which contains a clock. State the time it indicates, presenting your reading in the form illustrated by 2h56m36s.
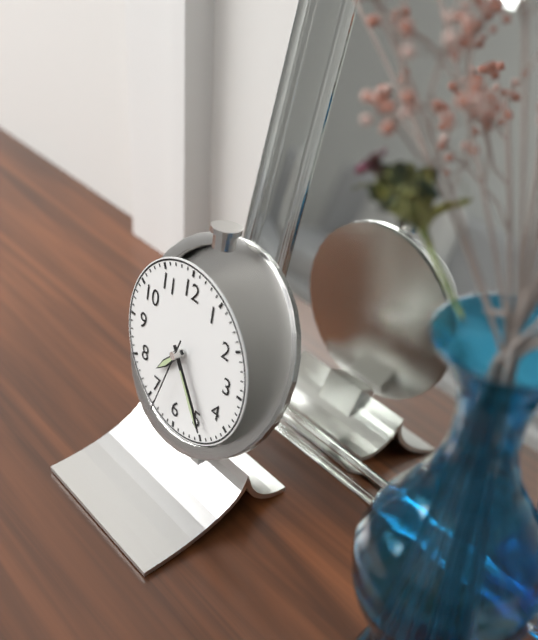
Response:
7h24m33s
